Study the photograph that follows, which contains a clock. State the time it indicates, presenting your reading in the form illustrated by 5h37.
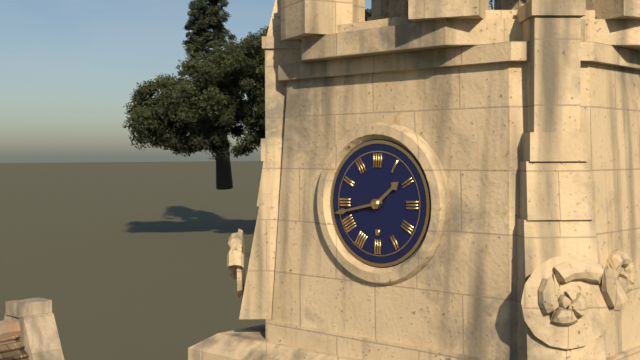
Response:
1h43
